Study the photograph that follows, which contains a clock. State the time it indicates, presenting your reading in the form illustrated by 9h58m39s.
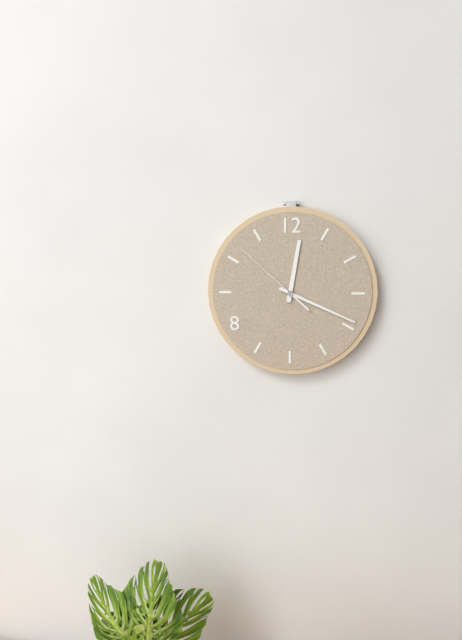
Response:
12h19m52s
